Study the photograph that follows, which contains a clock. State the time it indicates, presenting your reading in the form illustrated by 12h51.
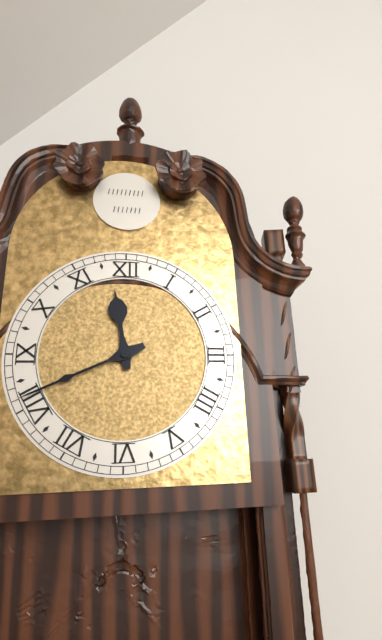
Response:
11h41
